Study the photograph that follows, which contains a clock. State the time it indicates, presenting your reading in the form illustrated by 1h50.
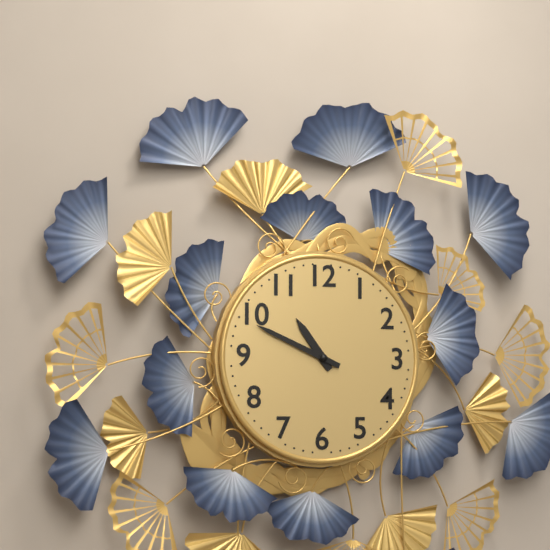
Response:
10h49
